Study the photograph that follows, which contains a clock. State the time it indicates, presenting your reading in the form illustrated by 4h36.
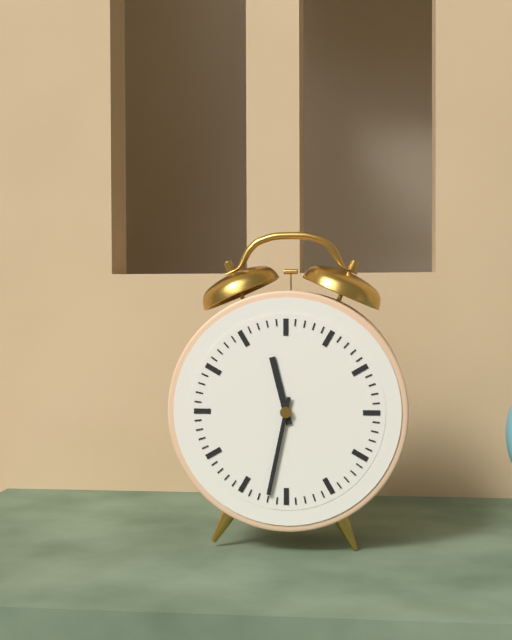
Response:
11h32
